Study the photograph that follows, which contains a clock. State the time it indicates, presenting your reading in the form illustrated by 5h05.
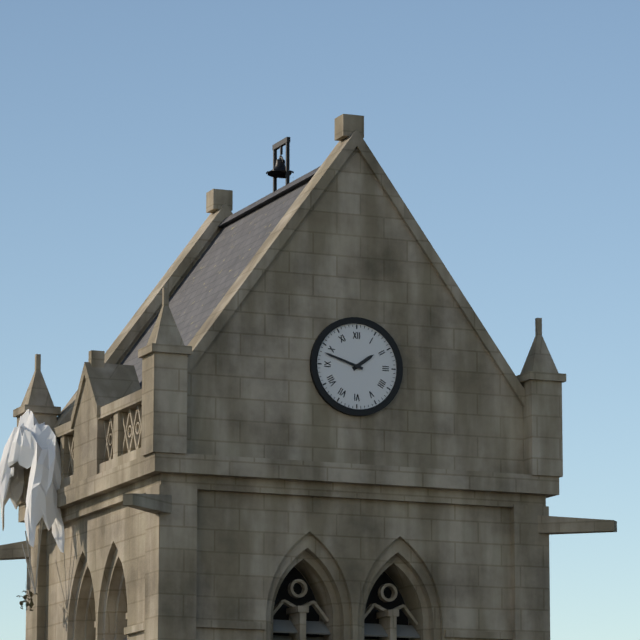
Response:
1h48
